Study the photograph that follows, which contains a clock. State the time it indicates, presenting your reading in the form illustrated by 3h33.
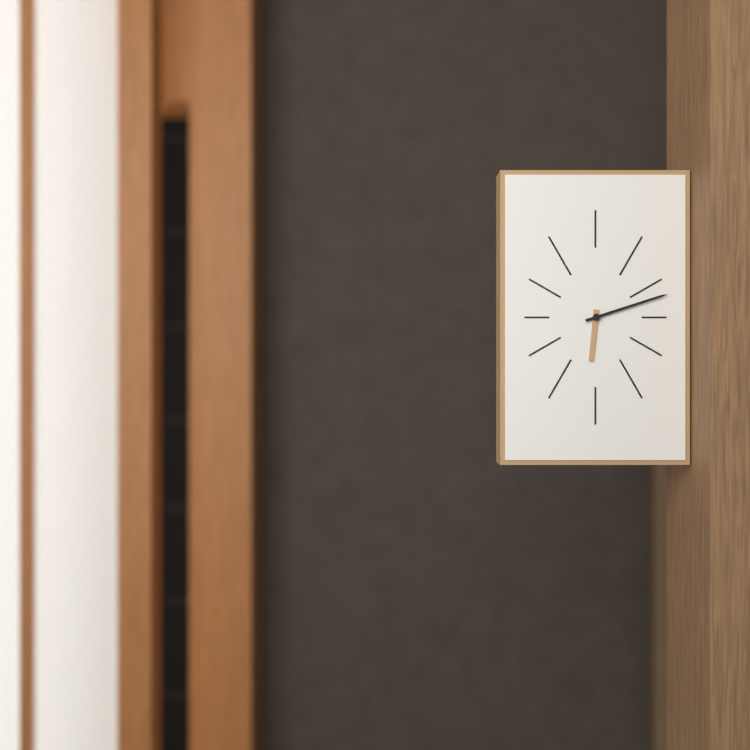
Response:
6h12
